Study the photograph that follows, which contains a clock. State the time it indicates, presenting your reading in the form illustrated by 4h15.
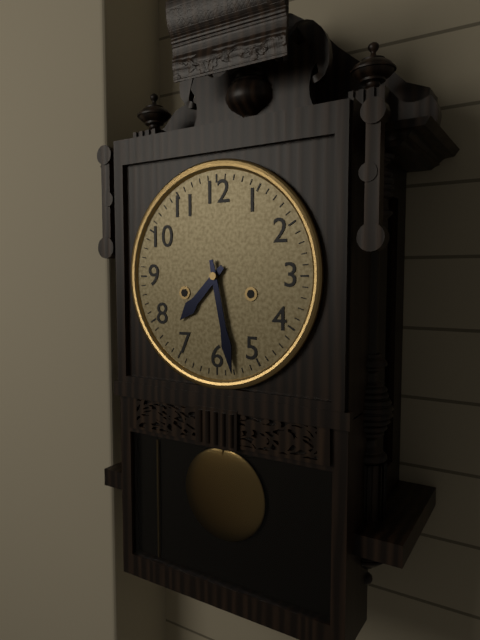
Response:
7h28
